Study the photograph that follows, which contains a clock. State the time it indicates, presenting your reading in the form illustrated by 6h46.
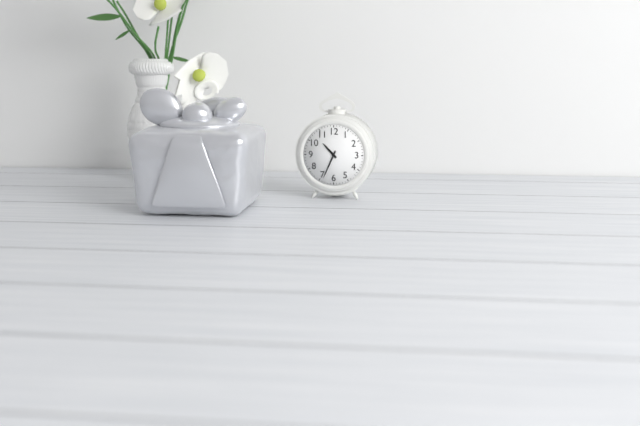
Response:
10h34
